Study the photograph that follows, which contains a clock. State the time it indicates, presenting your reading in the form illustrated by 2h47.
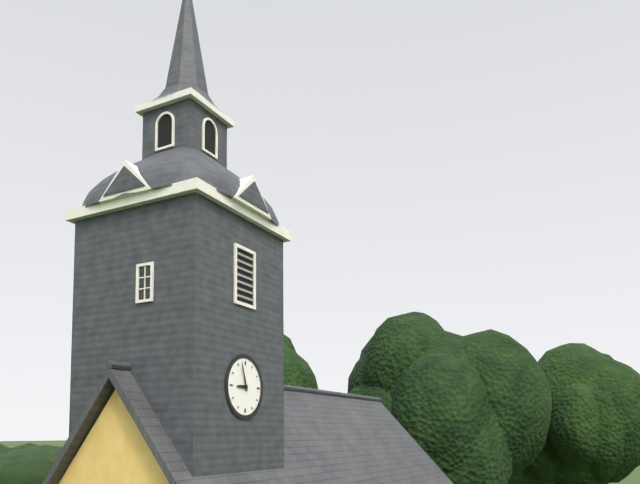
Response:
8h57
